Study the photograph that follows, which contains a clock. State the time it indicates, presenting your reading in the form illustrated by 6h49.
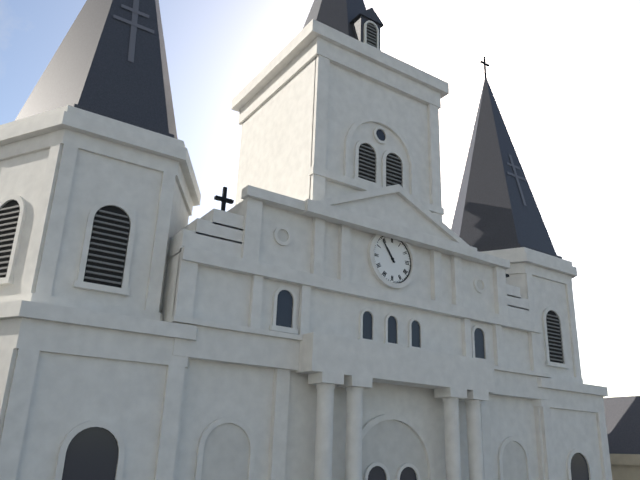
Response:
10h54
